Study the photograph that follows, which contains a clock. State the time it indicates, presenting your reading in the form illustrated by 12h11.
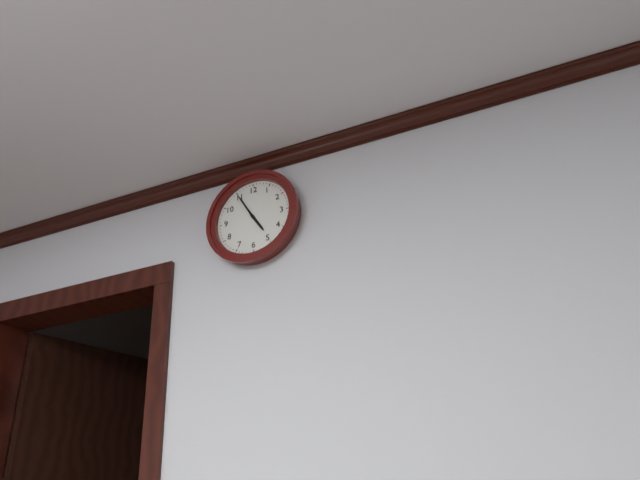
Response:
4h55
